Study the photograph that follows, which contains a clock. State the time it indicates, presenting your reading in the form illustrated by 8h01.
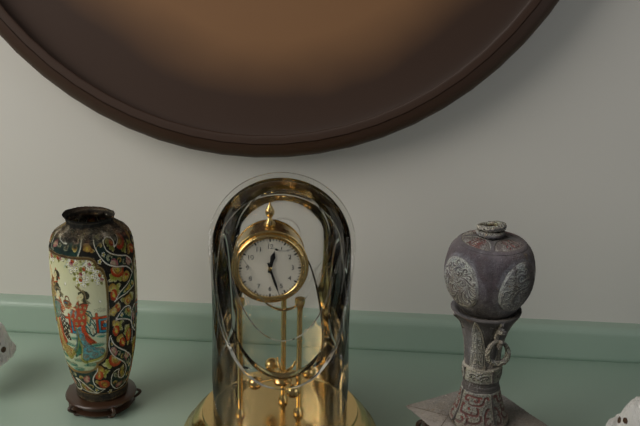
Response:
12h27
